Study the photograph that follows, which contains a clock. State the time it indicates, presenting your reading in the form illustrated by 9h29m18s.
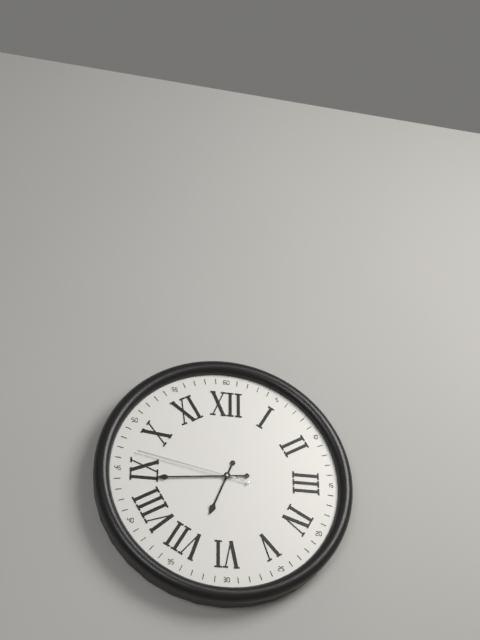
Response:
6h44m47s
